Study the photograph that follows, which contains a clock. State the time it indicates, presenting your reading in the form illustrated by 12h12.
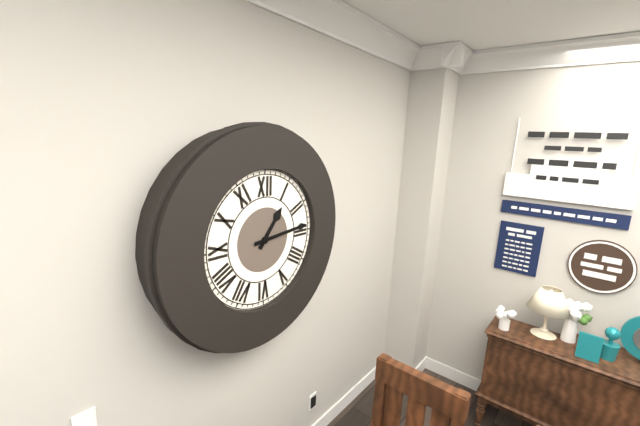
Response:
1h14
